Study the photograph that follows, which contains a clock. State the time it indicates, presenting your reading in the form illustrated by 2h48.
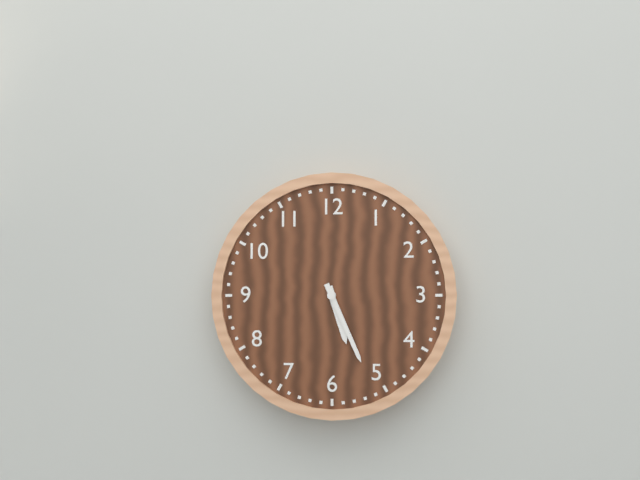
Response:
5h26
